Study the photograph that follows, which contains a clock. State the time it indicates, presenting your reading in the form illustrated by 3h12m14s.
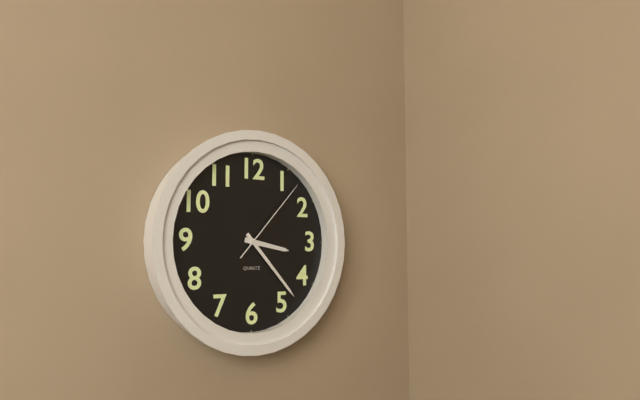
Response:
3h23m07s
